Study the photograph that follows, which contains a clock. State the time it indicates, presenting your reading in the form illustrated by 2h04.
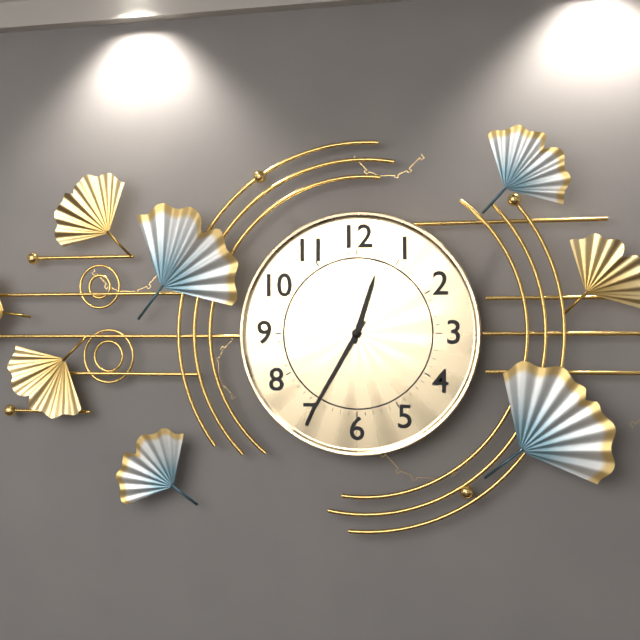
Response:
12h35
